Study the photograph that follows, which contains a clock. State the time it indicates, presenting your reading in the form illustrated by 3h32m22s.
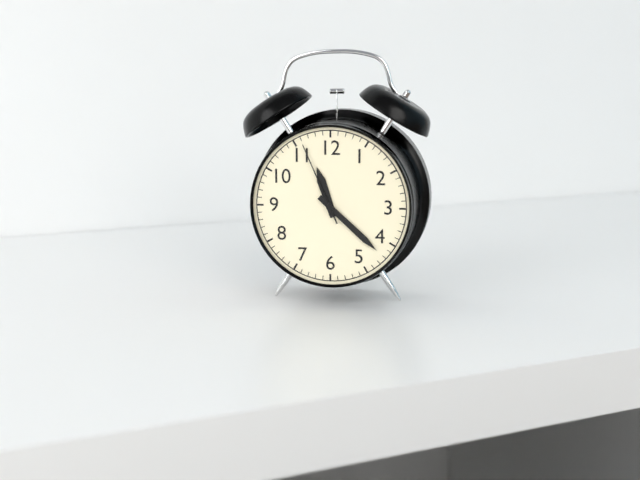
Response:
11h22m56s
